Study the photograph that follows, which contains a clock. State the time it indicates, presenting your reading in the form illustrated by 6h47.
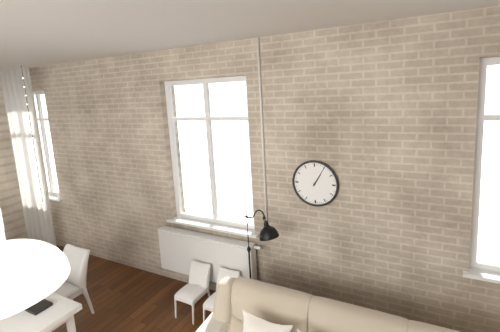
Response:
1h05
